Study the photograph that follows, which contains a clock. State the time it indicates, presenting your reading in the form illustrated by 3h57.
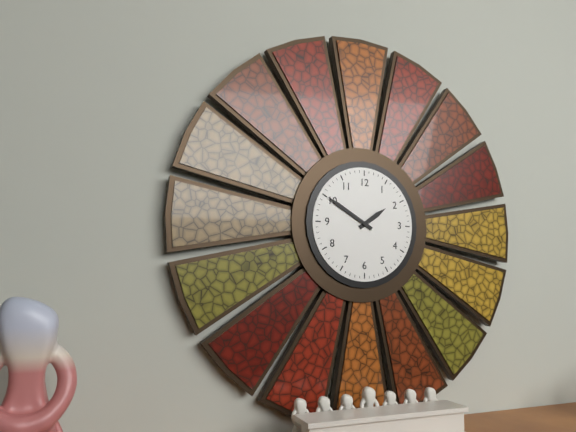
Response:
1h50
